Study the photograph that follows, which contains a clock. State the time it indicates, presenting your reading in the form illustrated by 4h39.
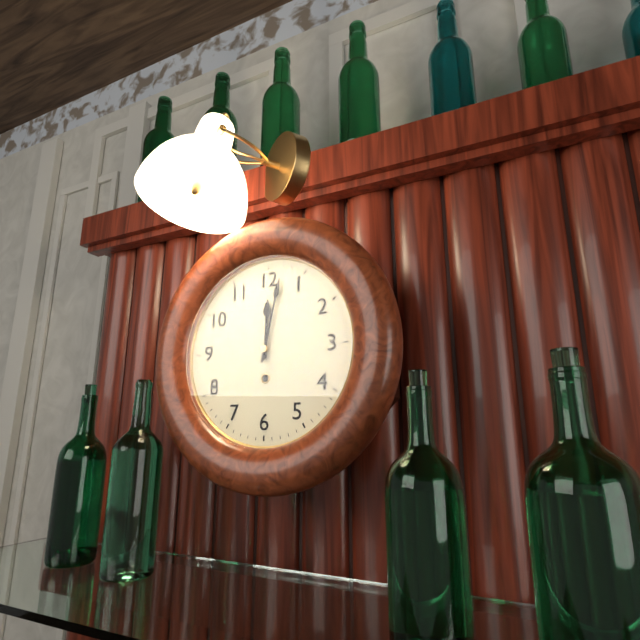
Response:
12h02
